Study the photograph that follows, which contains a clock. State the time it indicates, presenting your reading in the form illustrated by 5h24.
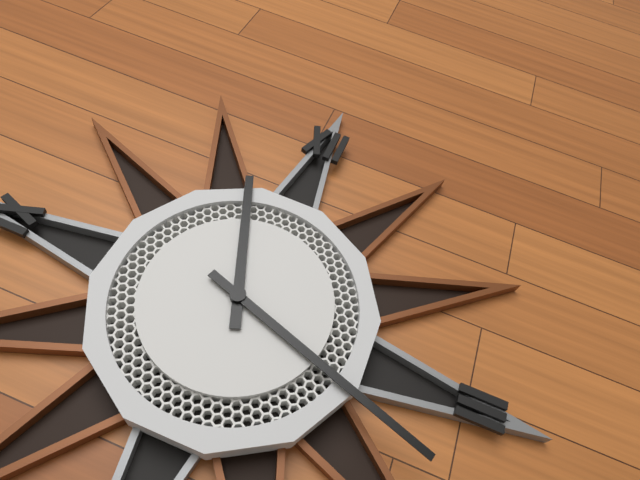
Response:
11h18
